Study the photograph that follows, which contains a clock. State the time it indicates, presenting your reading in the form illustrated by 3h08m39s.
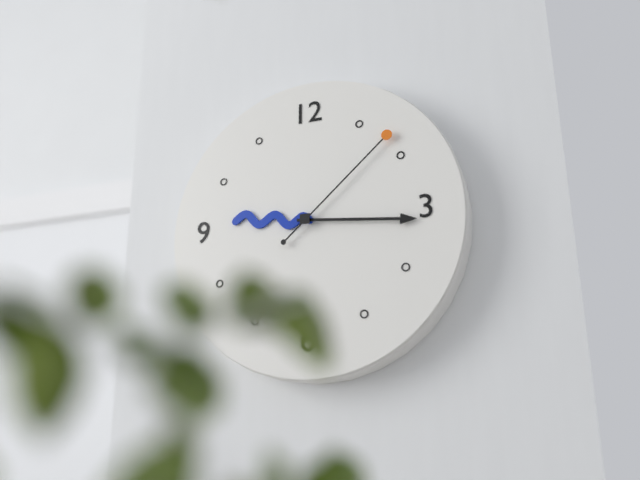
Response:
9h16m08s
